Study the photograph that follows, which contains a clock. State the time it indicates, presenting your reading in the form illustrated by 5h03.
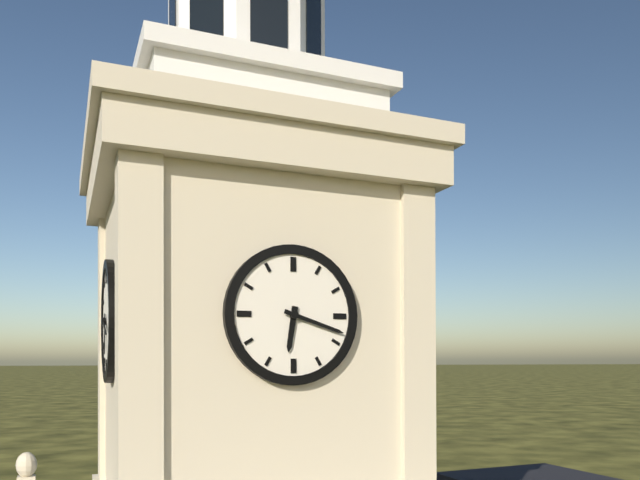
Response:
6h18
